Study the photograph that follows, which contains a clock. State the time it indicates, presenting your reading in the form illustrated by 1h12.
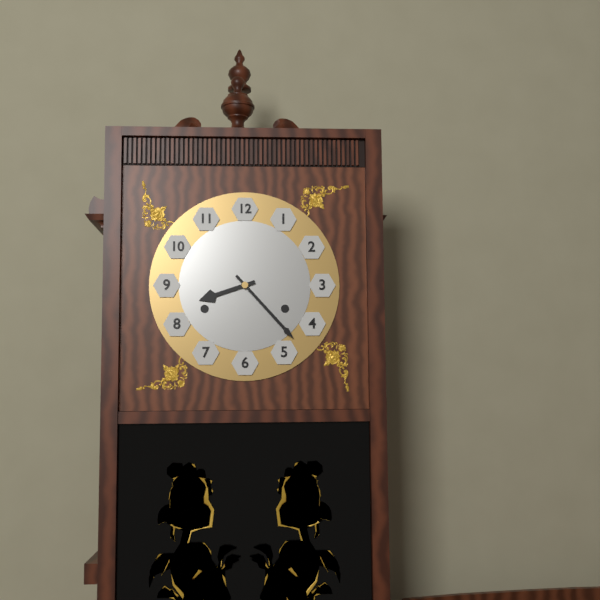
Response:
8h23
